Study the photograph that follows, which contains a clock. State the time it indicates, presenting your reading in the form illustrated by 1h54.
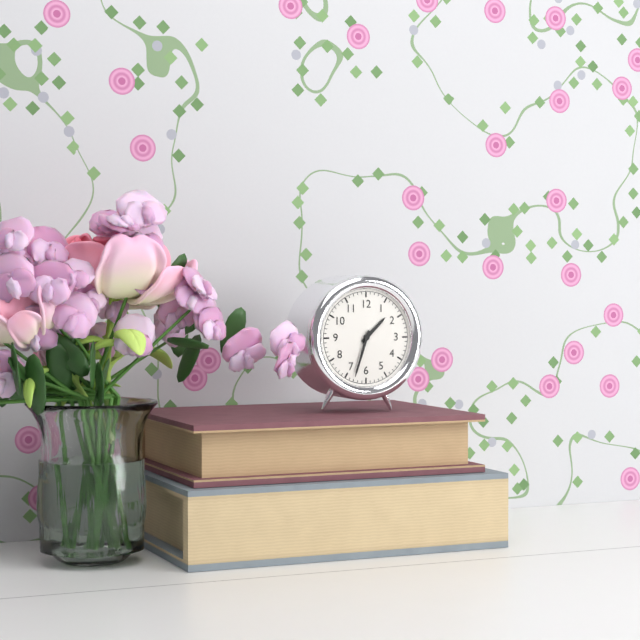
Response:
1h33
